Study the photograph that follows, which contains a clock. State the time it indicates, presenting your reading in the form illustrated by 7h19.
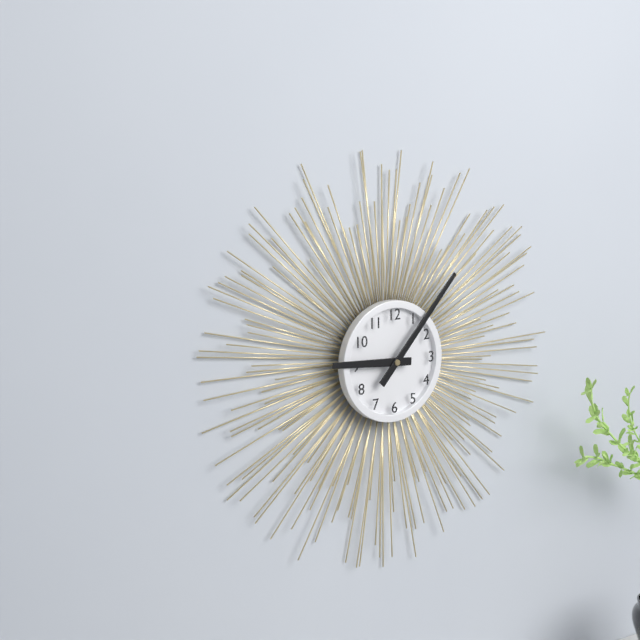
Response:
9h07
